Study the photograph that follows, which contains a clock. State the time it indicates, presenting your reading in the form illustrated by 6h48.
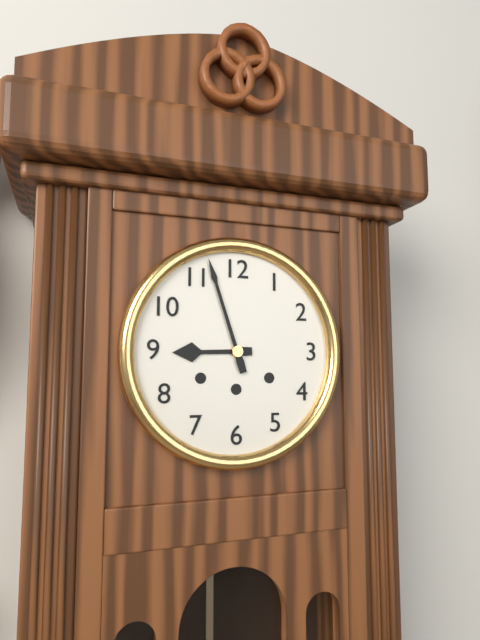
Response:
8h57
